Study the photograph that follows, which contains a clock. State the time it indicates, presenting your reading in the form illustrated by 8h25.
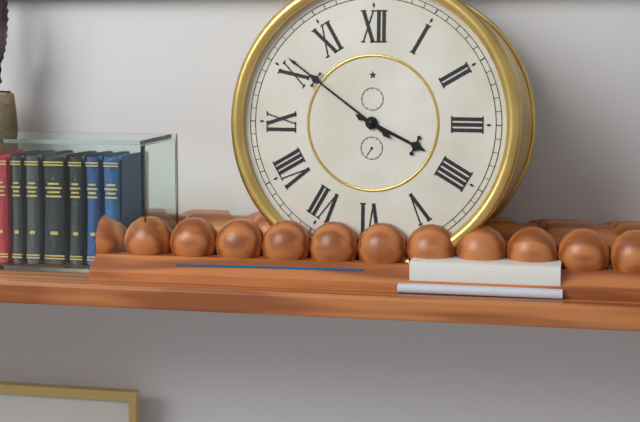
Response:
3h51
